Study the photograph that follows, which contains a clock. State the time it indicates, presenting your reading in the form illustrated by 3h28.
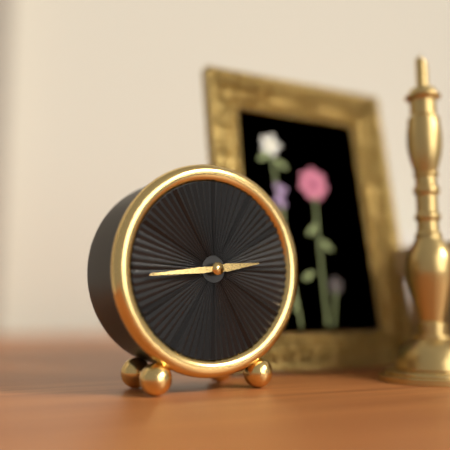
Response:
2h44
